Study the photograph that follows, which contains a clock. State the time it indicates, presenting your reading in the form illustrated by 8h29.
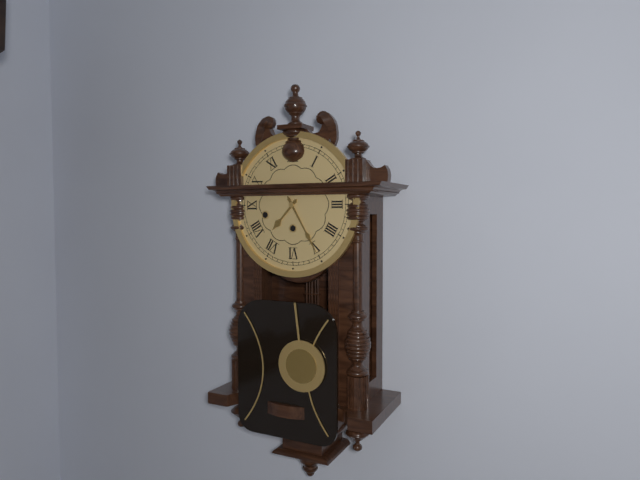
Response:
7h25
